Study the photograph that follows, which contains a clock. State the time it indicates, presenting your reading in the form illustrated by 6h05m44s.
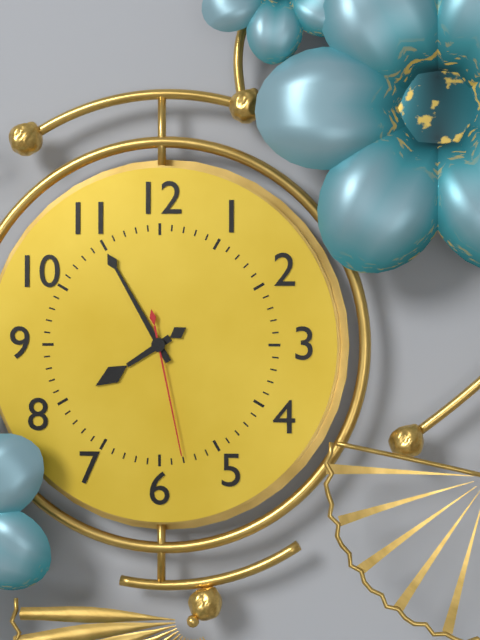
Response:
7h55m28s
